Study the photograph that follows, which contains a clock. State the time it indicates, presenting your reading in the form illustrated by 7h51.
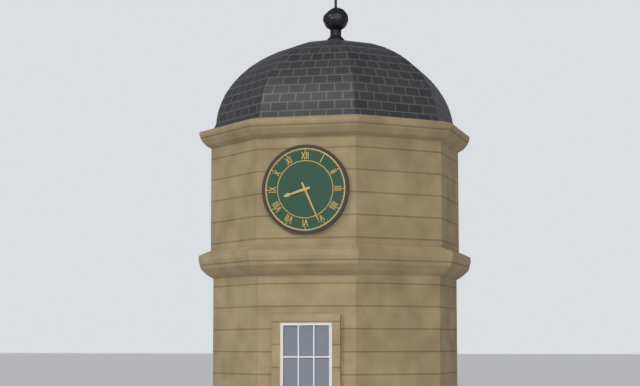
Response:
8h26
